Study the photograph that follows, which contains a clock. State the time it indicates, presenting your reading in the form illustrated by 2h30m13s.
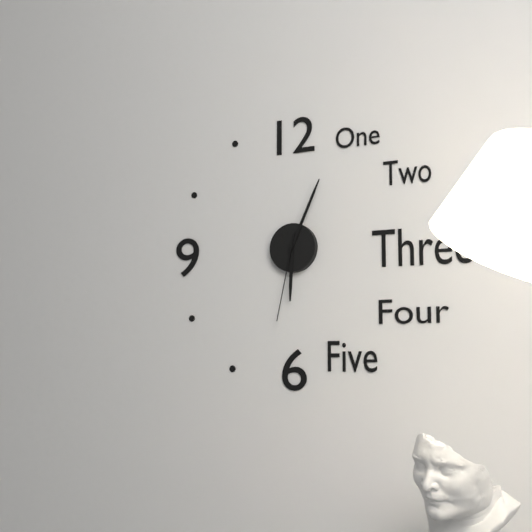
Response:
6h04m32s
